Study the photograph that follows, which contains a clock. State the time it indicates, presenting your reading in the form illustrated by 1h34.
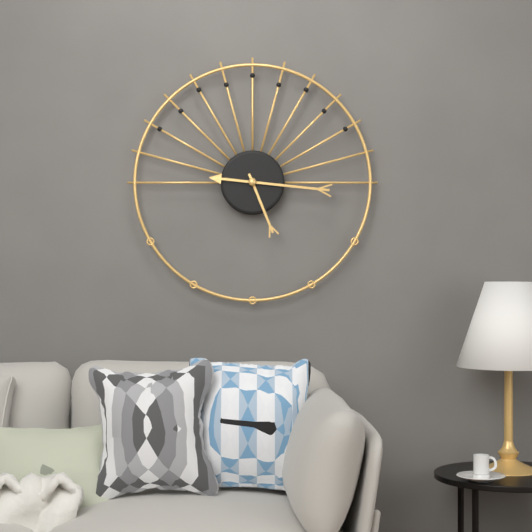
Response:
5h16
